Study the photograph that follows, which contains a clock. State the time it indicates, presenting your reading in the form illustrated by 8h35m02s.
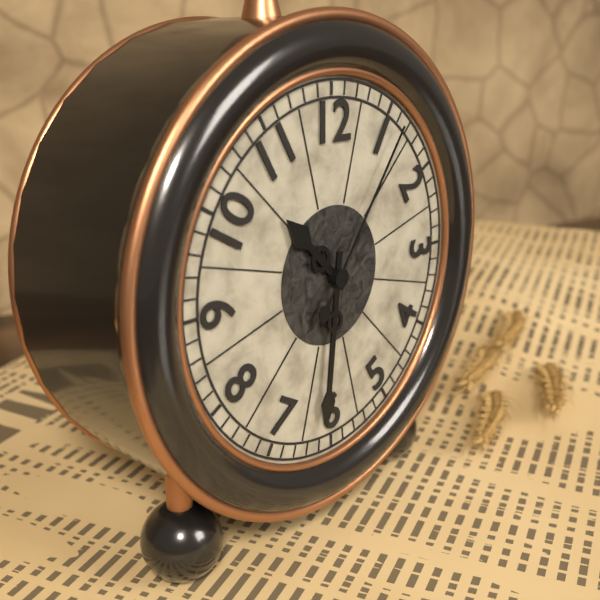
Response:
10h31m06s
